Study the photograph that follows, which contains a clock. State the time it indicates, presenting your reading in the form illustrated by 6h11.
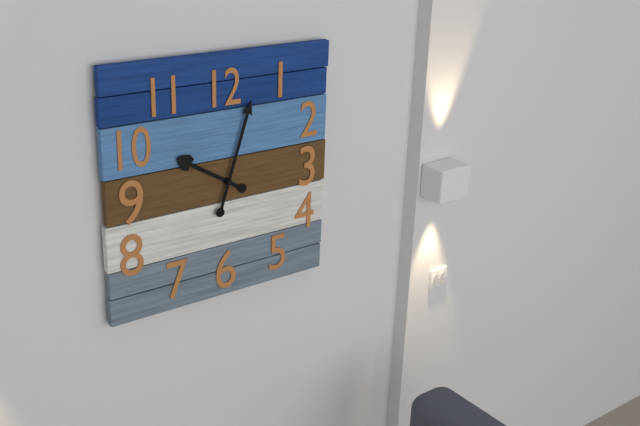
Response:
10h03
